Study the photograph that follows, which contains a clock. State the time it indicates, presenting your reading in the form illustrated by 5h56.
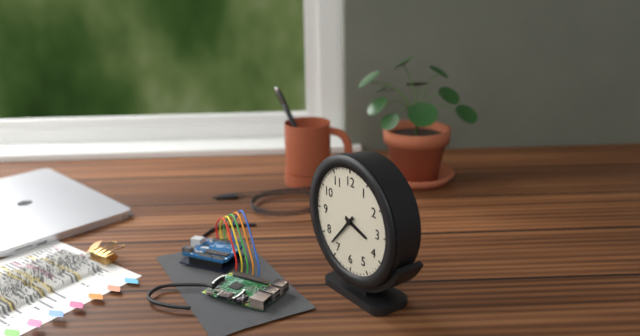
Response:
3h37
